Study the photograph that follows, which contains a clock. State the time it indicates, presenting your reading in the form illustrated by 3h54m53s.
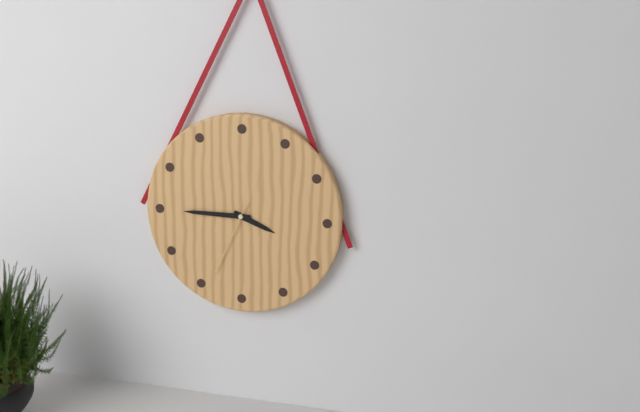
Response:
3h45m34s
